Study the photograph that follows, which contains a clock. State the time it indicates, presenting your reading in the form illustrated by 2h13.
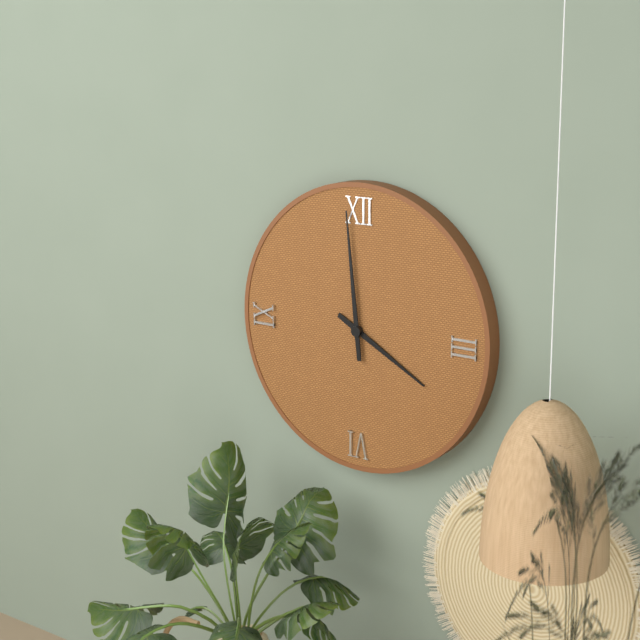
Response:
3h59
